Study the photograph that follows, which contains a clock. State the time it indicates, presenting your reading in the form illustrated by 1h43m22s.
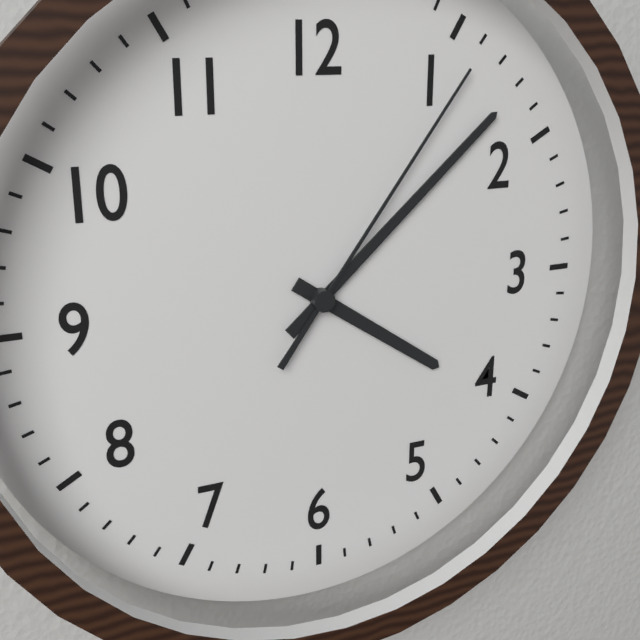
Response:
4h08m06s
